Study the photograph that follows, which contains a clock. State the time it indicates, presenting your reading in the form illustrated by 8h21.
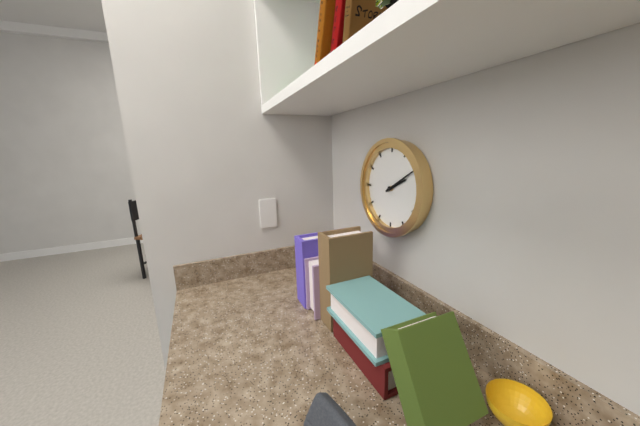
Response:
2h10
